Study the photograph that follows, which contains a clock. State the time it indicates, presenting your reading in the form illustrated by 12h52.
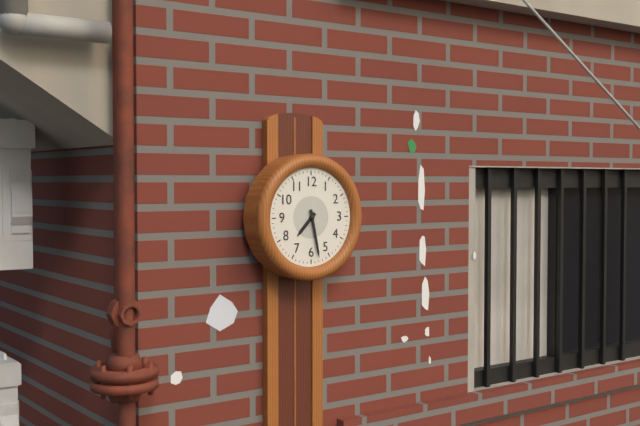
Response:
7h28
